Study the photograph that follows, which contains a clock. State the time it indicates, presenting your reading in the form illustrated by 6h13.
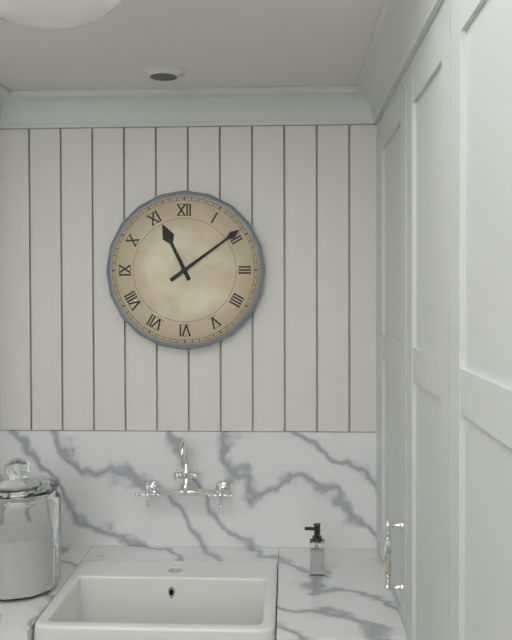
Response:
11h09
